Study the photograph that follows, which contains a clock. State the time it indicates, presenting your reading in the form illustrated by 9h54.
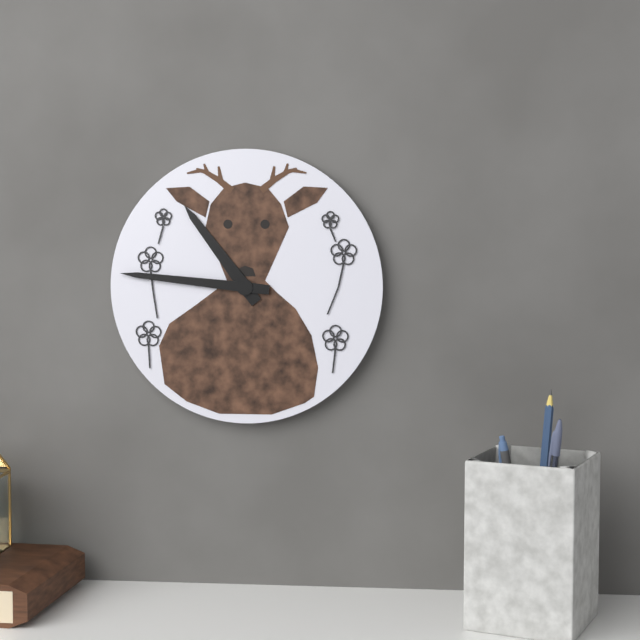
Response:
10h46
